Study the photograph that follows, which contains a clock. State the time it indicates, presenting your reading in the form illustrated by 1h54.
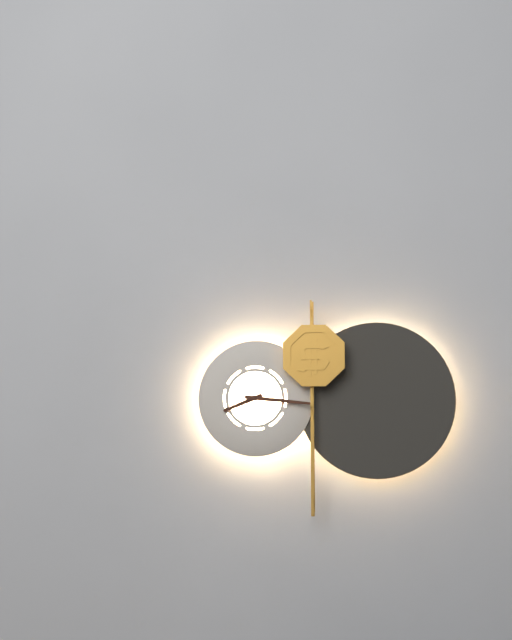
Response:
8h16
